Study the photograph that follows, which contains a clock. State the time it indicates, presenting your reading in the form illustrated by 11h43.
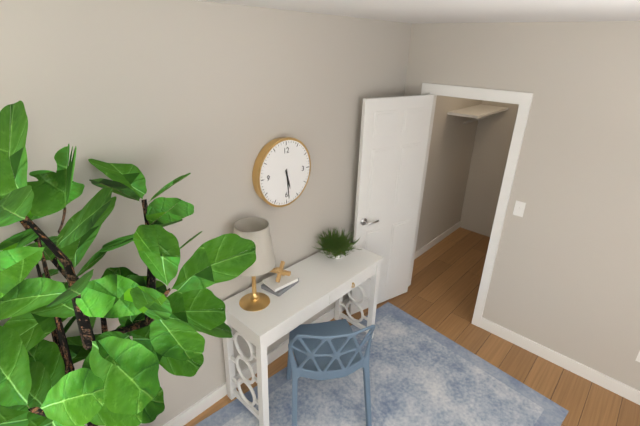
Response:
5h29
